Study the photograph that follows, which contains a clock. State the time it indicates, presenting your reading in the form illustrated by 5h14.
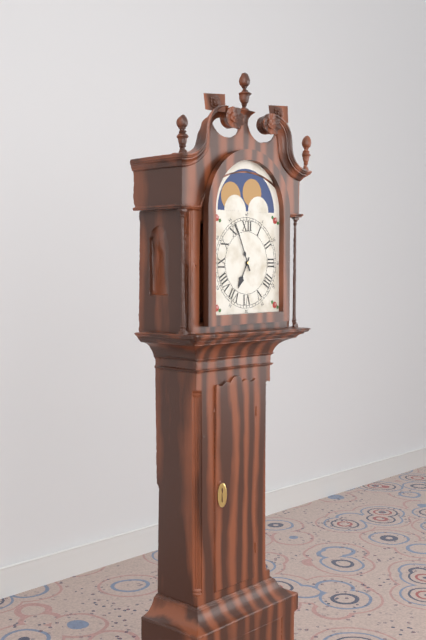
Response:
6h56
